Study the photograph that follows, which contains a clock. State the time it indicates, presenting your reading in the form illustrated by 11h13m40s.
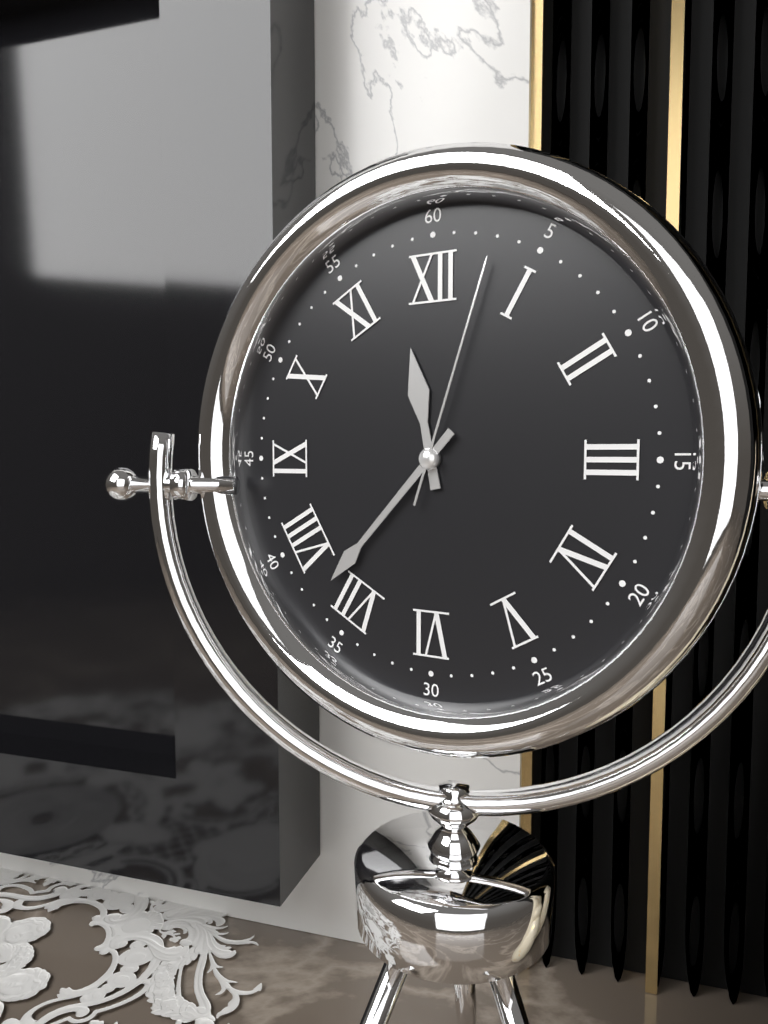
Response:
11h37m03s
